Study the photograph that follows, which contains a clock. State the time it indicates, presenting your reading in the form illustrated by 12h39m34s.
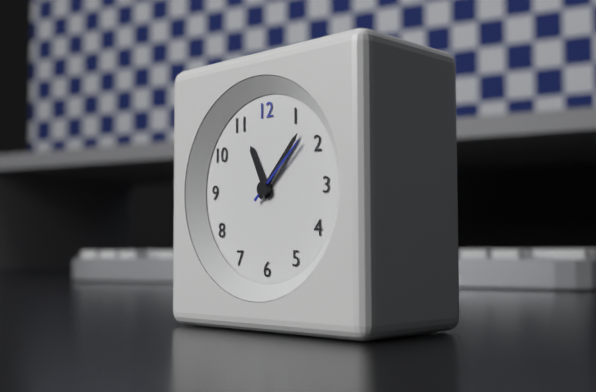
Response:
11h07m08s
